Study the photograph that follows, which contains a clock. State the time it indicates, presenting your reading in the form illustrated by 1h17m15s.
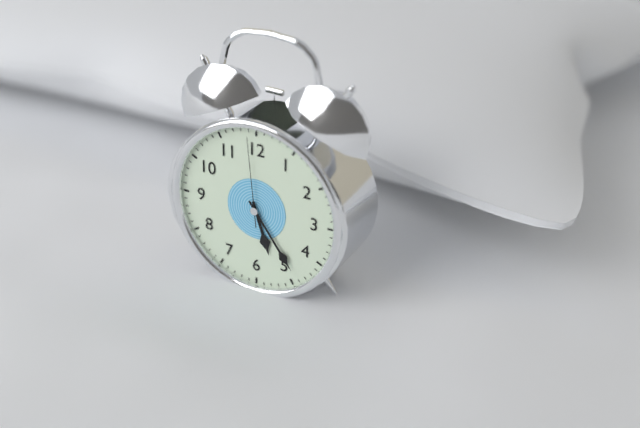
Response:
5h24m59s
